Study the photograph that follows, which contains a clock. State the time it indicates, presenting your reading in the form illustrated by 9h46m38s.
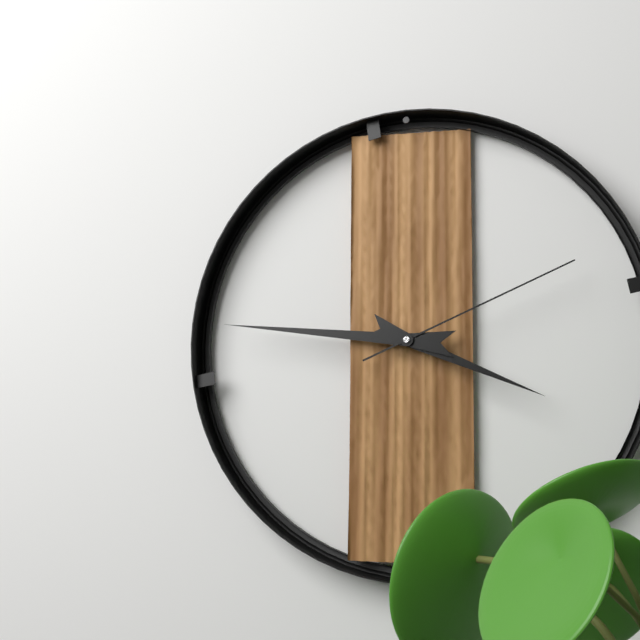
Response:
3h46m11s
